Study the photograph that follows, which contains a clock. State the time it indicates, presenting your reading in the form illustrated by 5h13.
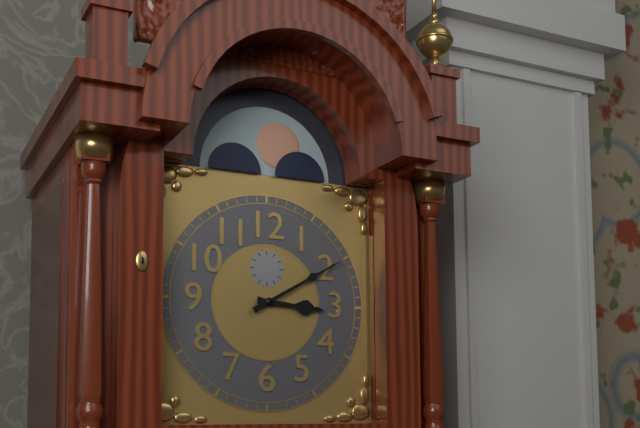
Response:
3h10
